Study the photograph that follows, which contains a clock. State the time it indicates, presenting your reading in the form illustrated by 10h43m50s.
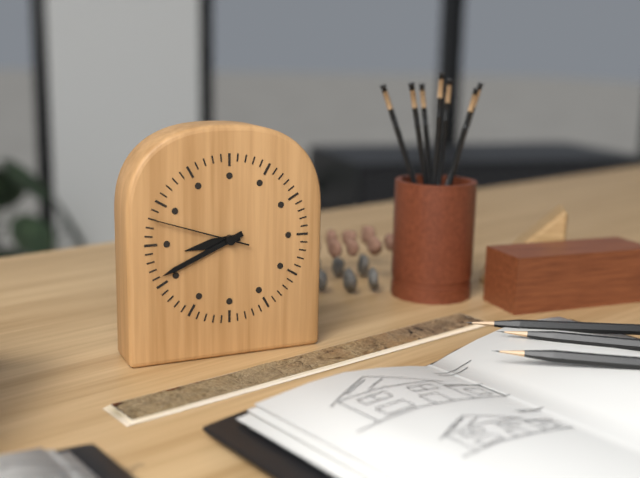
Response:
8h41m48s
